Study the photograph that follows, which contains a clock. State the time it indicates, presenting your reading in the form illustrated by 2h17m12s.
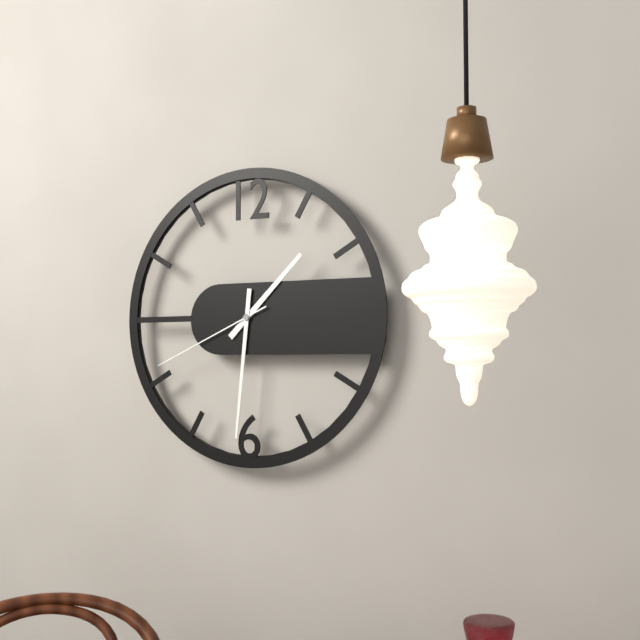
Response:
1h31m41s
